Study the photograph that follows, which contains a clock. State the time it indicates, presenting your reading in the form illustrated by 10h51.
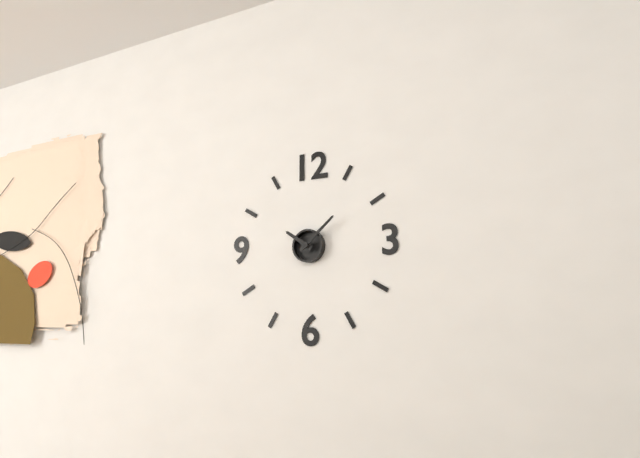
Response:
10h08
